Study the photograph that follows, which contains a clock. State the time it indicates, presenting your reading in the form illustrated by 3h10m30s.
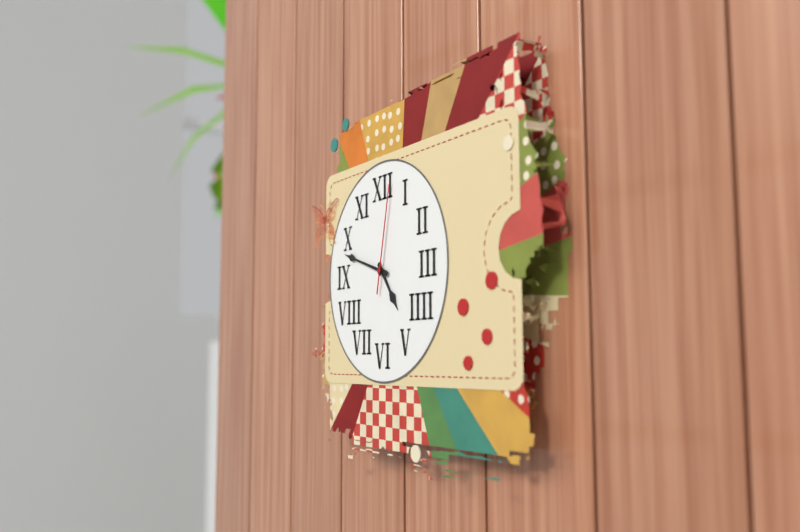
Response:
4h48m02s
